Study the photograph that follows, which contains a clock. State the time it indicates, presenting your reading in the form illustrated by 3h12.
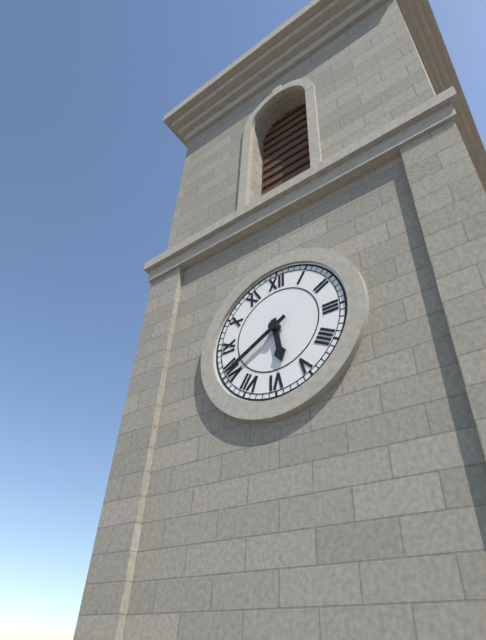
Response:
5h40
